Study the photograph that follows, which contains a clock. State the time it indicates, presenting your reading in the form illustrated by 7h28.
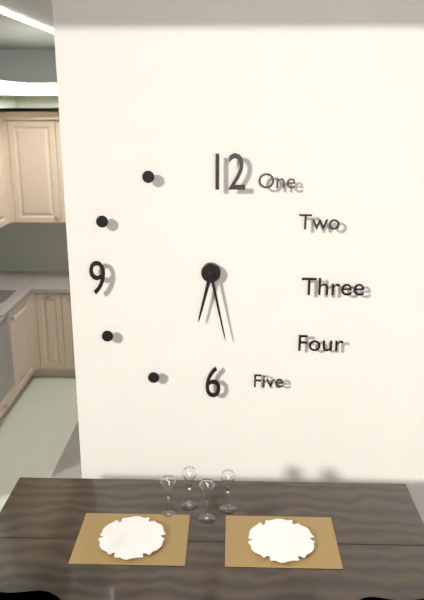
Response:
6h28
